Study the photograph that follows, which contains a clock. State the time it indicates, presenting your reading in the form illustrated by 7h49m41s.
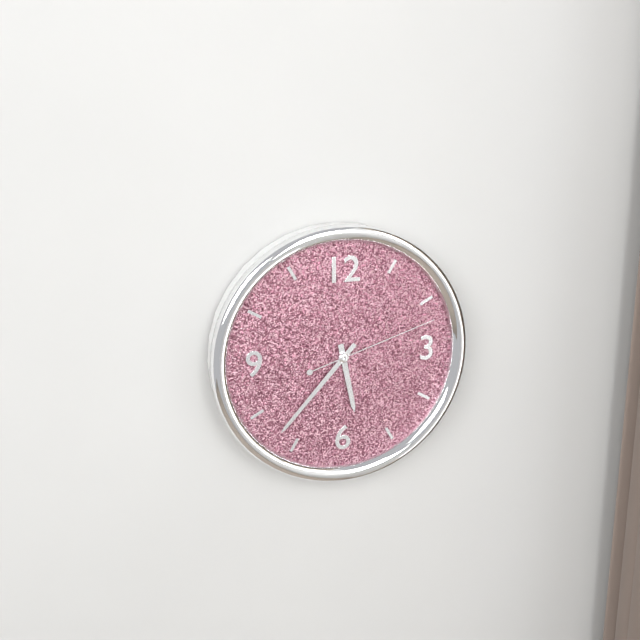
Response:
5h37m12s
